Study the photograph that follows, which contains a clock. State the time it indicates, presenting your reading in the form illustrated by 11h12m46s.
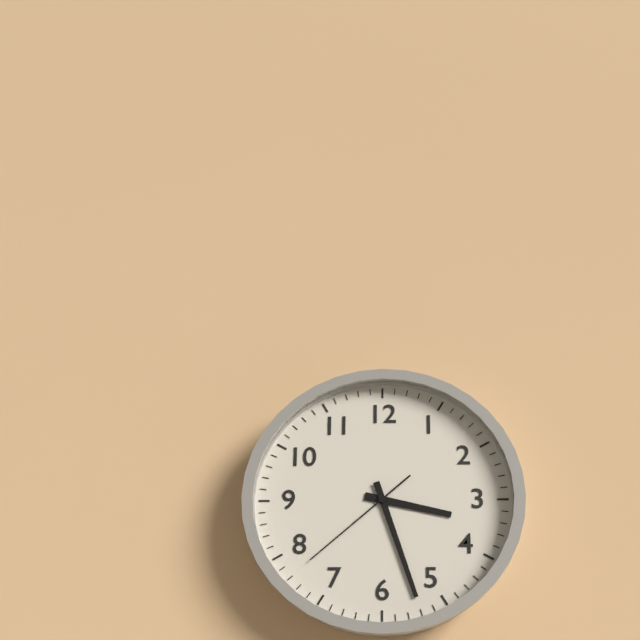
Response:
3h27m38s
